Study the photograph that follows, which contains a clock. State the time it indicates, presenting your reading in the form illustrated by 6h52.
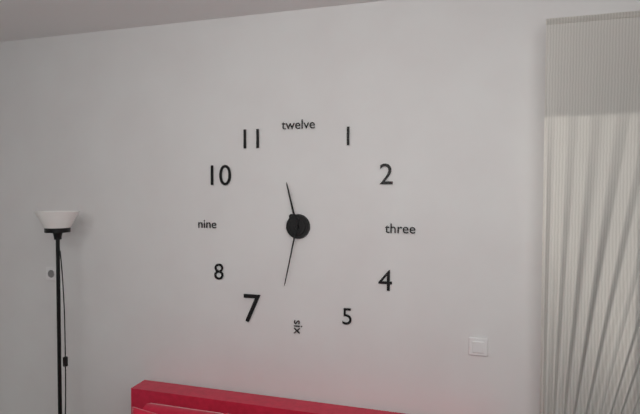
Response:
11h32
